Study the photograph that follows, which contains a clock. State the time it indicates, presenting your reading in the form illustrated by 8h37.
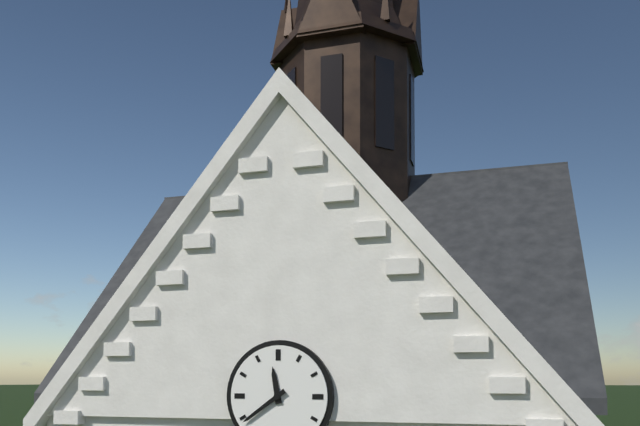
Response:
11h39
